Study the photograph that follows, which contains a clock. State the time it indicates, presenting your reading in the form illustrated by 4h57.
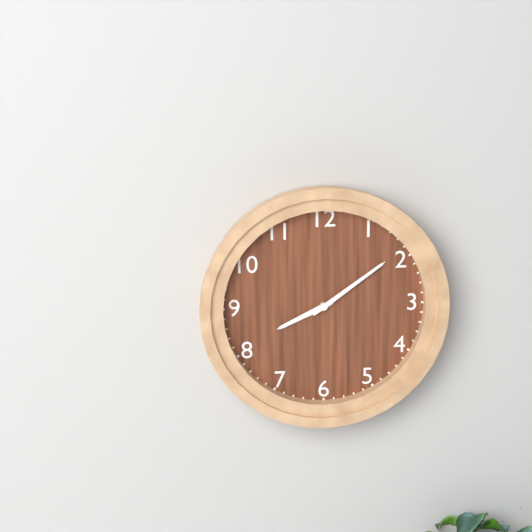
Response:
8h09
